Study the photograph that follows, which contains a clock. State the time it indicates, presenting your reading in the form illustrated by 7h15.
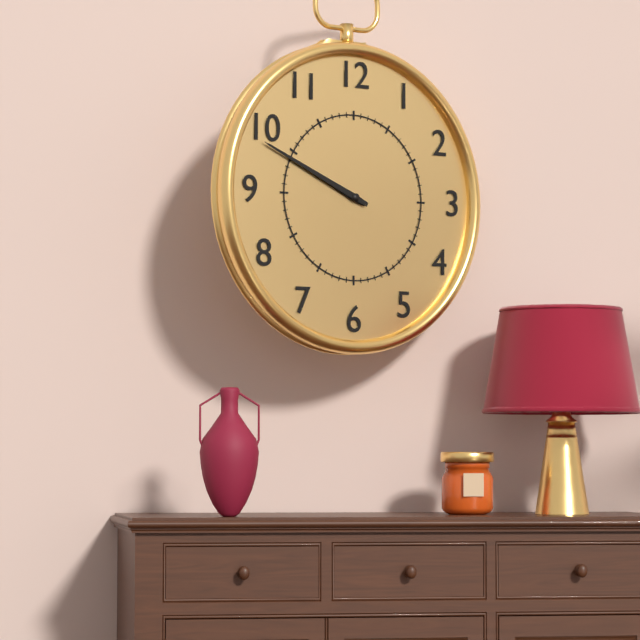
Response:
9h49
